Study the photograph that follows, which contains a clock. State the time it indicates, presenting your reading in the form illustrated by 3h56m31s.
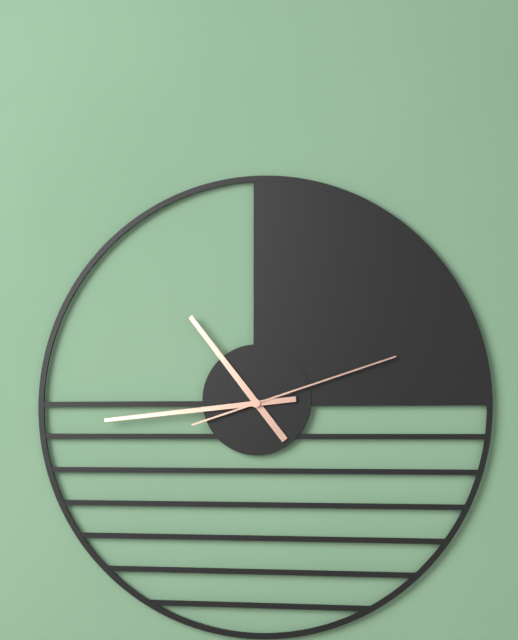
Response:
10h44m12s
